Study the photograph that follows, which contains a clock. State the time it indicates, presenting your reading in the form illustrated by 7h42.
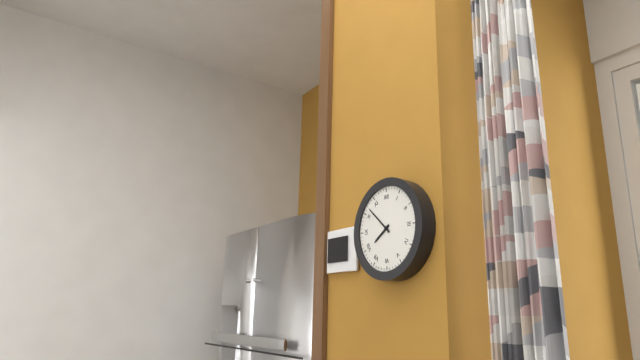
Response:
7h52
